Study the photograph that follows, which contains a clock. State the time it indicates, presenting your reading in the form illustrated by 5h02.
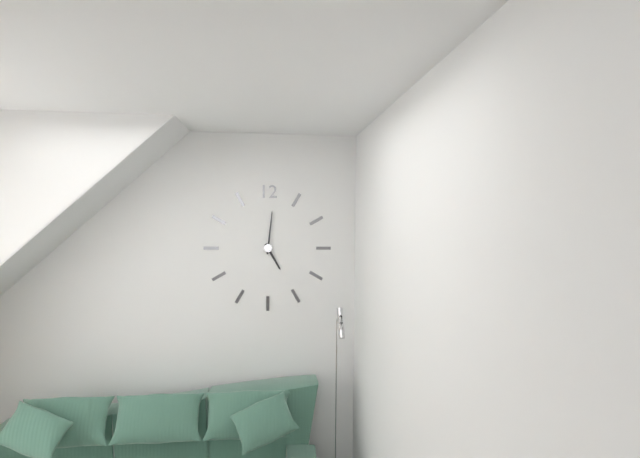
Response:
5h01
